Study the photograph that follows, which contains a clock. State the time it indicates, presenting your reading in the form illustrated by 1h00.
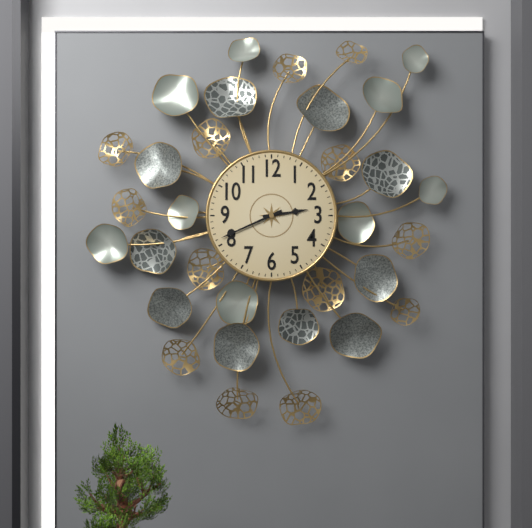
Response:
2h41
